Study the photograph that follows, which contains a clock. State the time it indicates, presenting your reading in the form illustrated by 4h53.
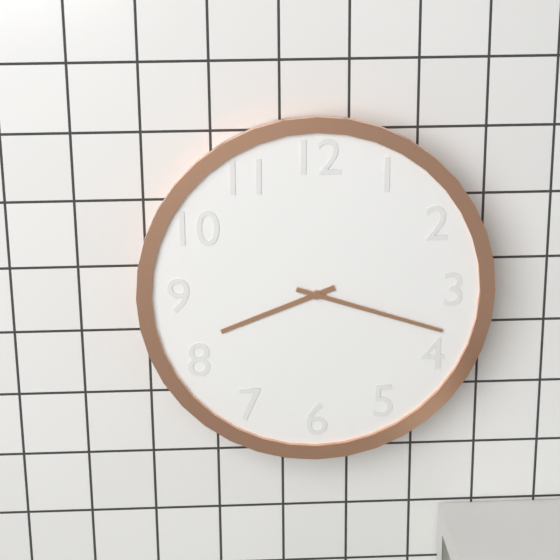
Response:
8h18
